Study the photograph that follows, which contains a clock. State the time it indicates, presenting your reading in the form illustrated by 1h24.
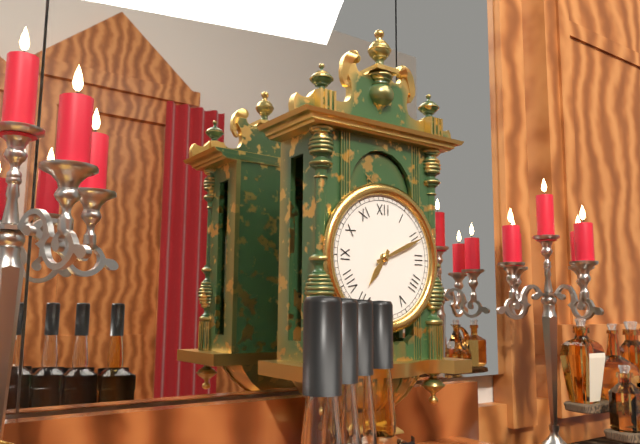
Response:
7h11
